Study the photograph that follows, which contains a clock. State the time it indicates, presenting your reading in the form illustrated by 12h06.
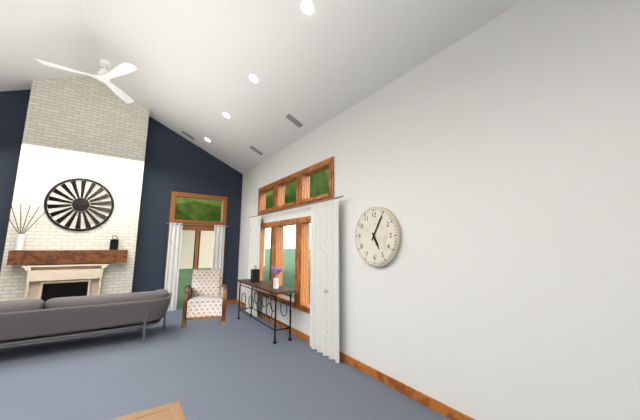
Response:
5h05
